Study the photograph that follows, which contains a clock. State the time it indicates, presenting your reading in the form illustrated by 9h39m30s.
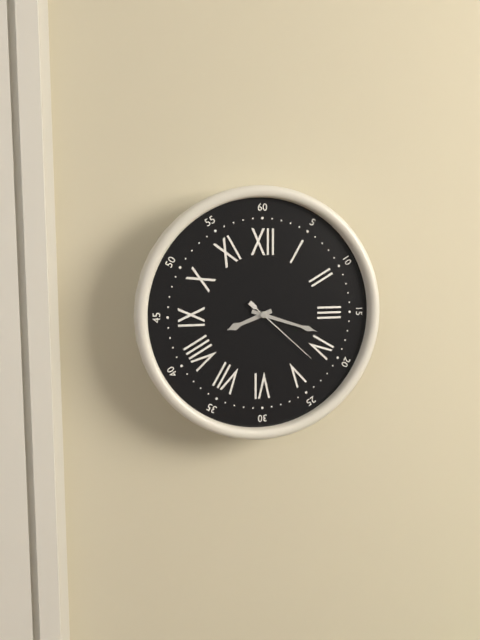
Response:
8h18m22s
